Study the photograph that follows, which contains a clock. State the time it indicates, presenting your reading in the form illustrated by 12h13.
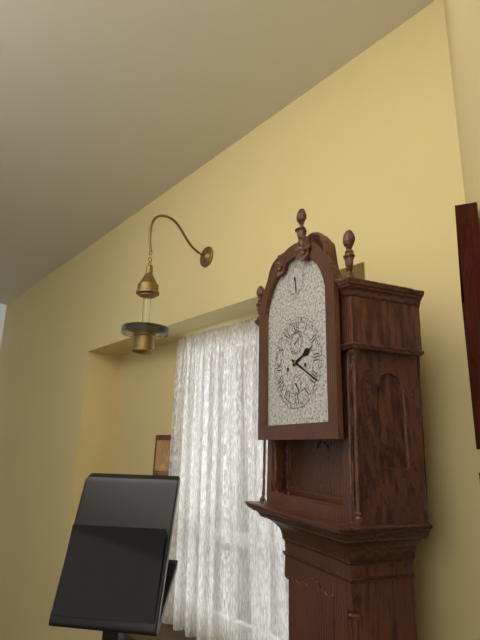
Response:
2h20
